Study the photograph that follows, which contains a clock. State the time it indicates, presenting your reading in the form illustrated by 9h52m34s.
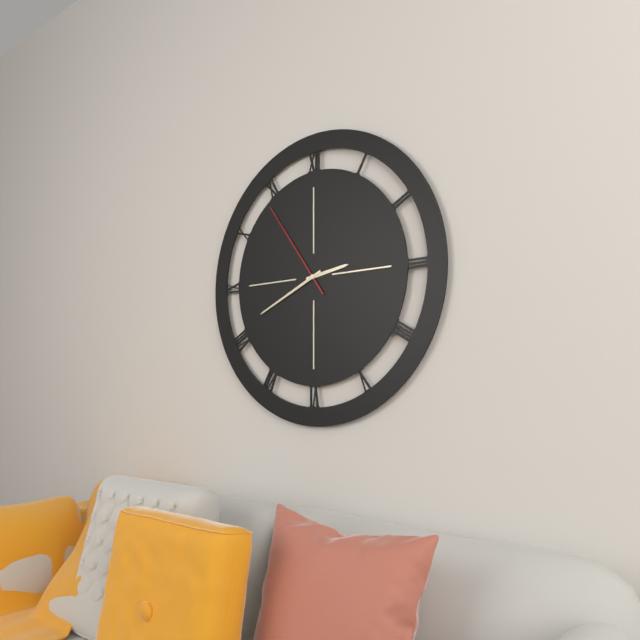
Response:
2h41m54s
